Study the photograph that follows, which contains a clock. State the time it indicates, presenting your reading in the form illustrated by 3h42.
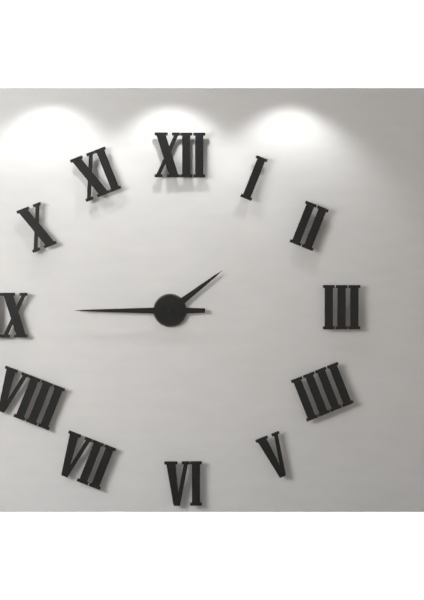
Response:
1h45
